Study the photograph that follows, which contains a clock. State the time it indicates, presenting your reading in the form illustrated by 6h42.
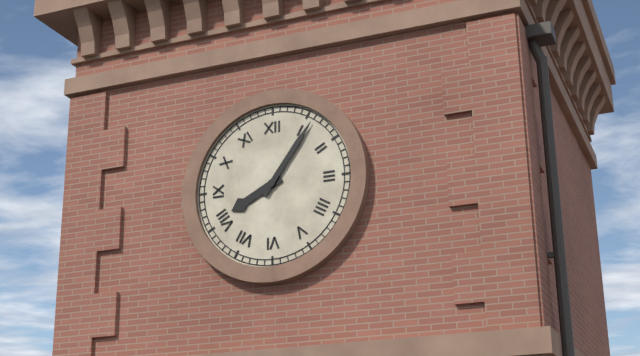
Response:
8h06
